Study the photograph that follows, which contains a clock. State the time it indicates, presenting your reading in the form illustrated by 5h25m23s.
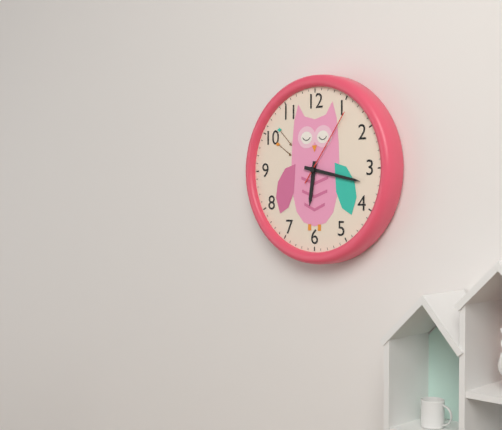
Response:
6h17m06s
